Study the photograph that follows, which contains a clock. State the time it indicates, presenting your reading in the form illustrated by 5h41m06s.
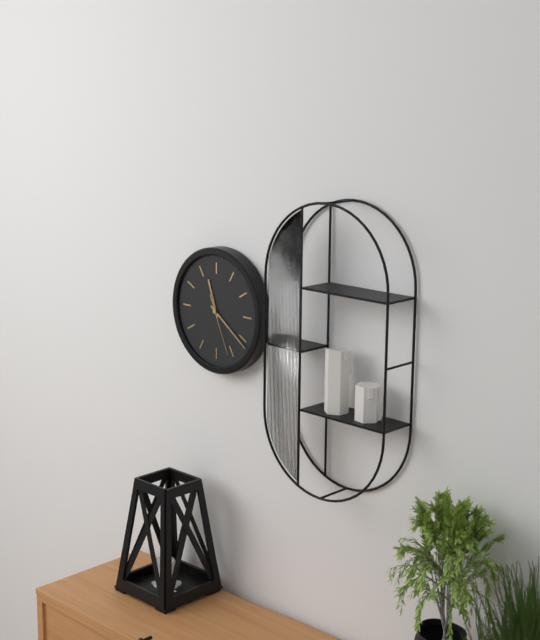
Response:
11h21m26s
